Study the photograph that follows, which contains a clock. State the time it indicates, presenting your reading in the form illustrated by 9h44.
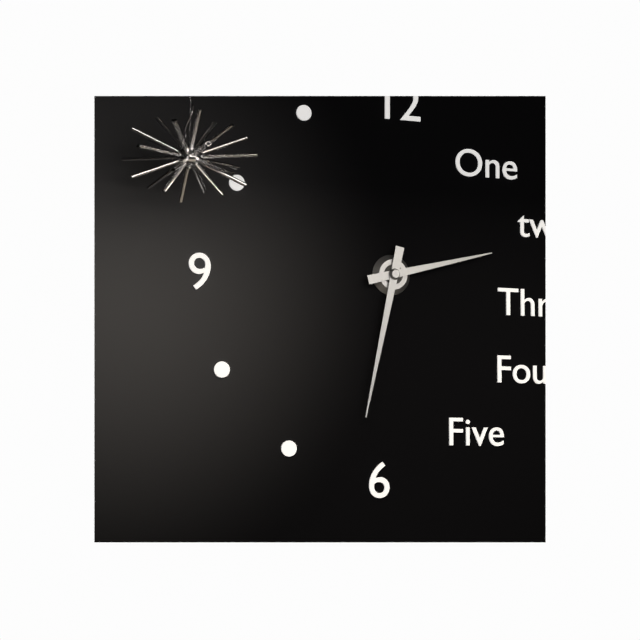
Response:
2h32
